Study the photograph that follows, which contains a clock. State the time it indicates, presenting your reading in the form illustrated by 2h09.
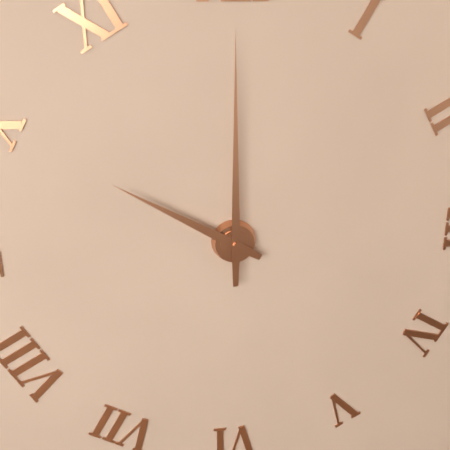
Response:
10h00
